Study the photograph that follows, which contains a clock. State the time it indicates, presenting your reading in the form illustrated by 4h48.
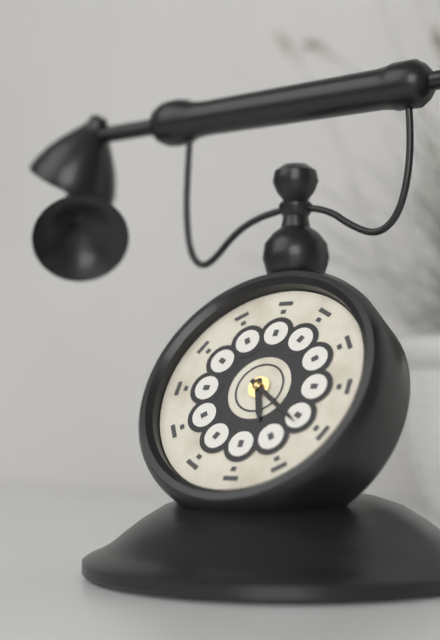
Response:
5h21
